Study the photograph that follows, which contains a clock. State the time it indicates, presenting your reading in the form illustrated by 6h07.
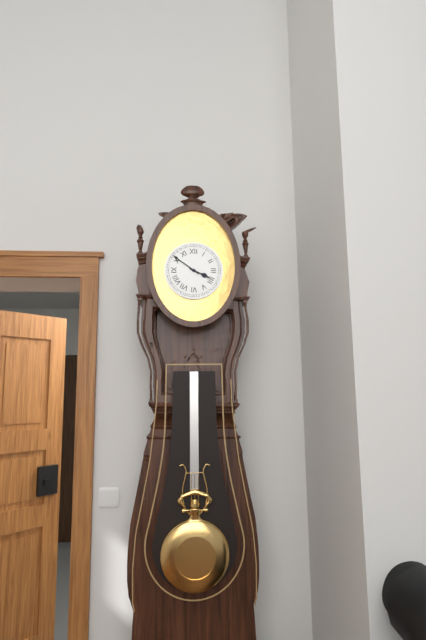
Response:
3h51
